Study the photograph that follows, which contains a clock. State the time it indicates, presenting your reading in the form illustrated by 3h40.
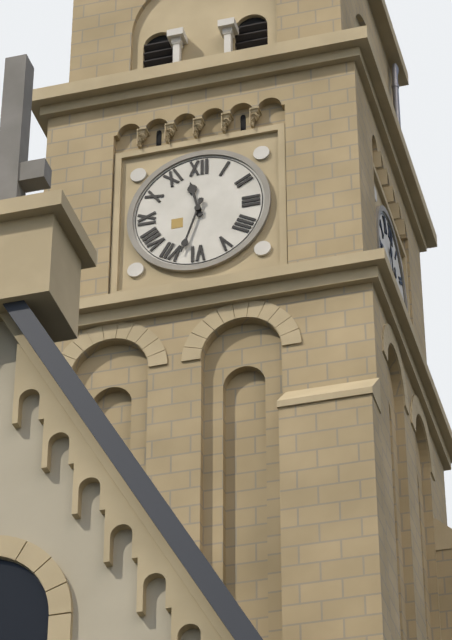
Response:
11h33
